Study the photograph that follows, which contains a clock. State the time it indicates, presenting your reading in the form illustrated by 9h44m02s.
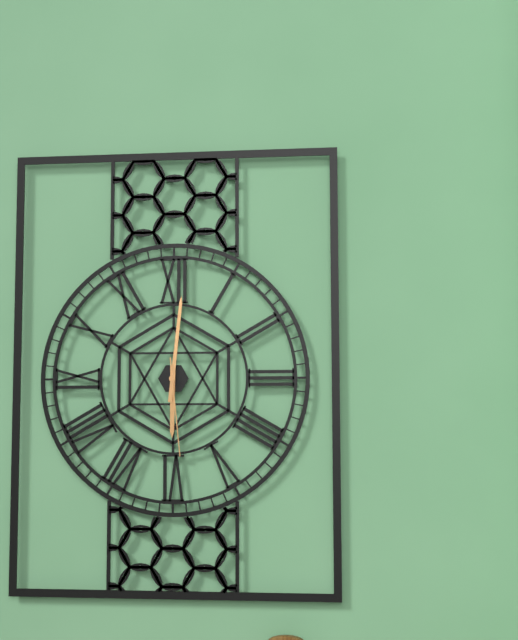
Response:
6h01m29s
